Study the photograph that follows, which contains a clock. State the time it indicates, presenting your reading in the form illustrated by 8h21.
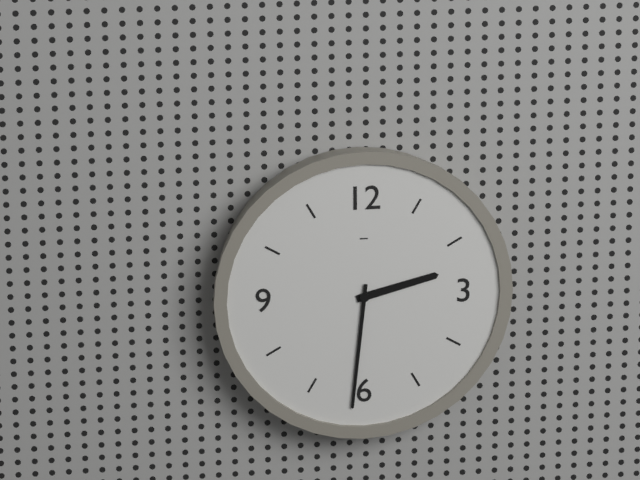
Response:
2h31
